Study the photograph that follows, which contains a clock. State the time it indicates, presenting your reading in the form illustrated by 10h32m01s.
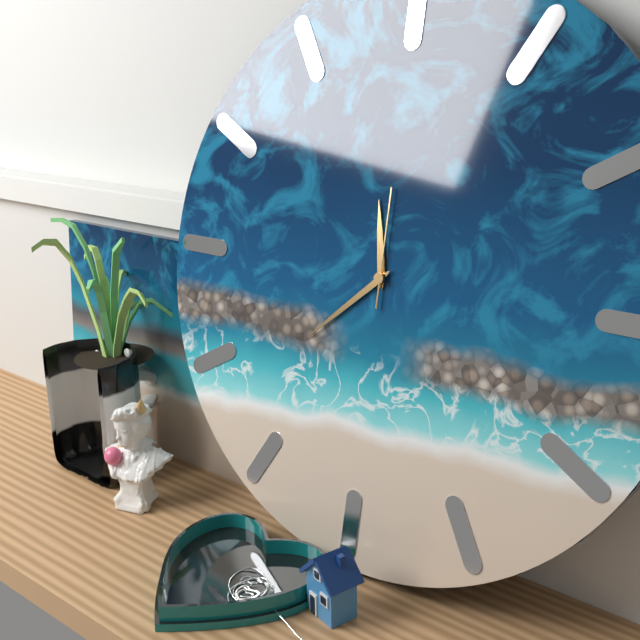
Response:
11h38m00s
